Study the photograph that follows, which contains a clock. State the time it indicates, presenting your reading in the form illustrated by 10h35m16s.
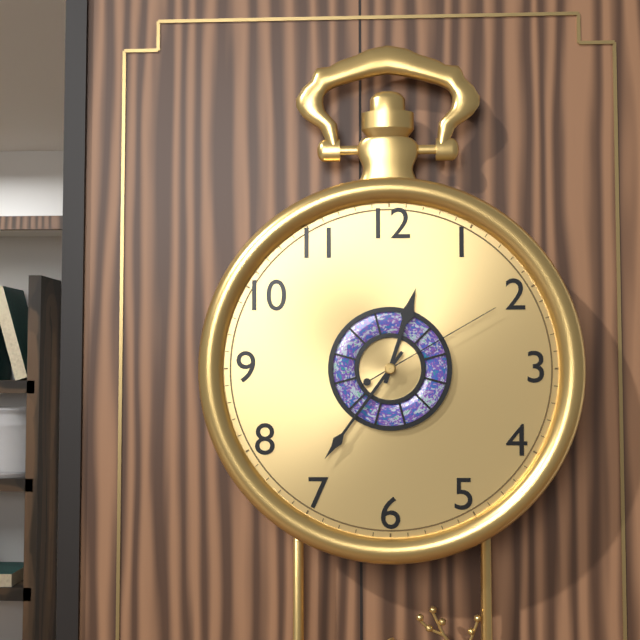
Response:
12h36m10s
